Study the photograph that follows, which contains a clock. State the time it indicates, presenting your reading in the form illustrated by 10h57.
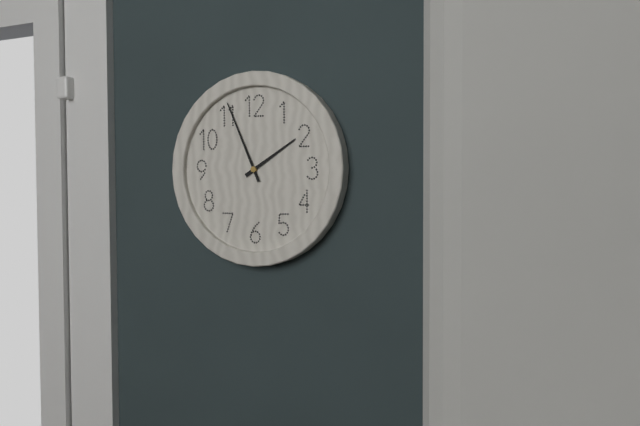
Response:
1h56
